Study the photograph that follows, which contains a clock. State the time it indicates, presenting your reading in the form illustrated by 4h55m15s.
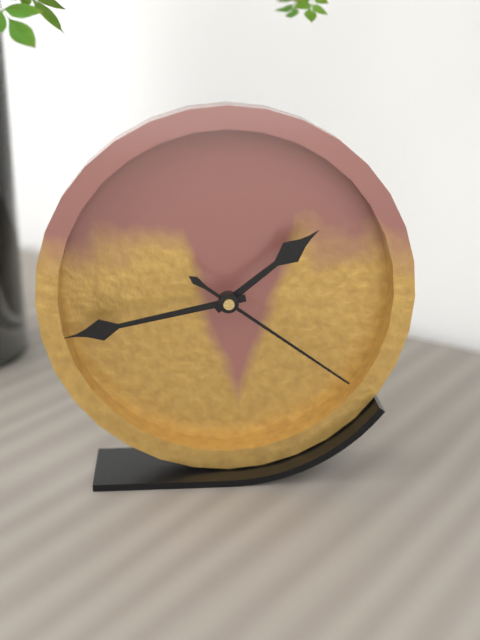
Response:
1h43m21s
